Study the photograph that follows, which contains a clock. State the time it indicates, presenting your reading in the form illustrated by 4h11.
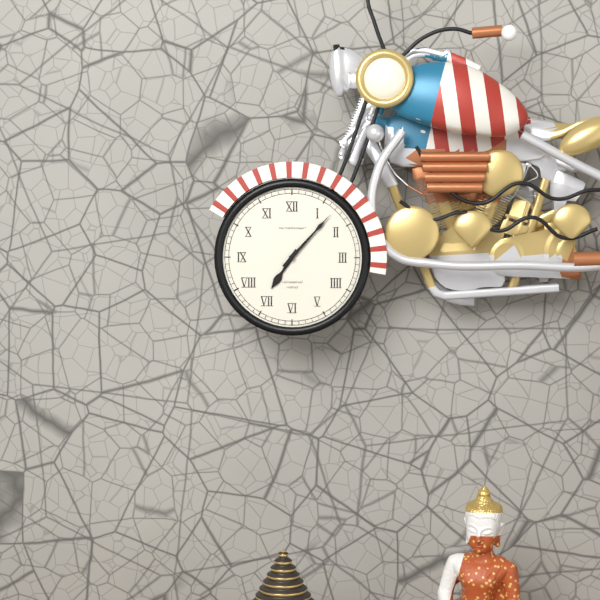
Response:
7h07
